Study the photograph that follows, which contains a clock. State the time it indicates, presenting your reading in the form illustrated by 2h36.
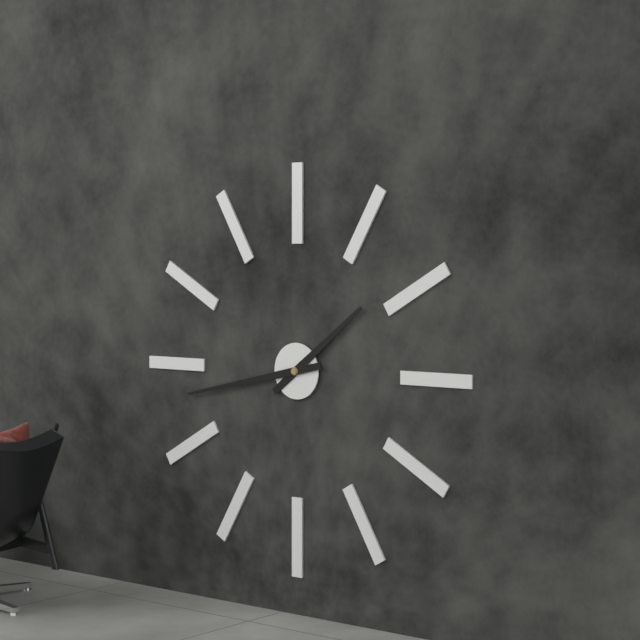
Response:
1h43
